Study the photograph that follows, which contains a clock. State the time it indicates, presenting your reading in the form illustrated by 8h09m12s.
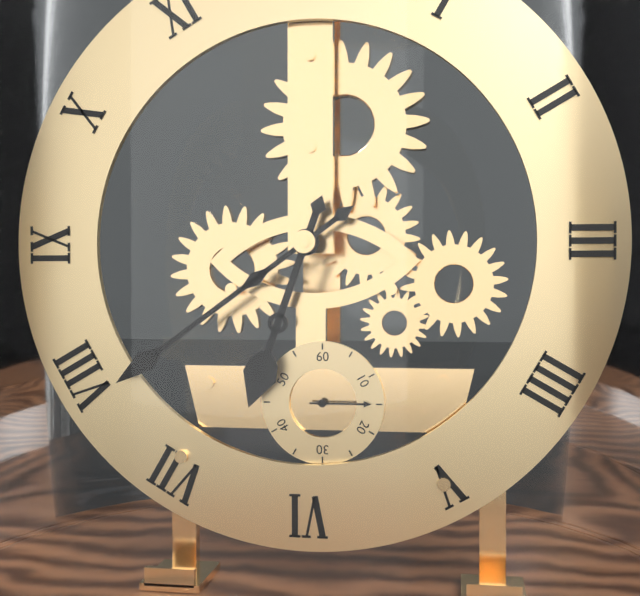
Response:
6h39m15s
